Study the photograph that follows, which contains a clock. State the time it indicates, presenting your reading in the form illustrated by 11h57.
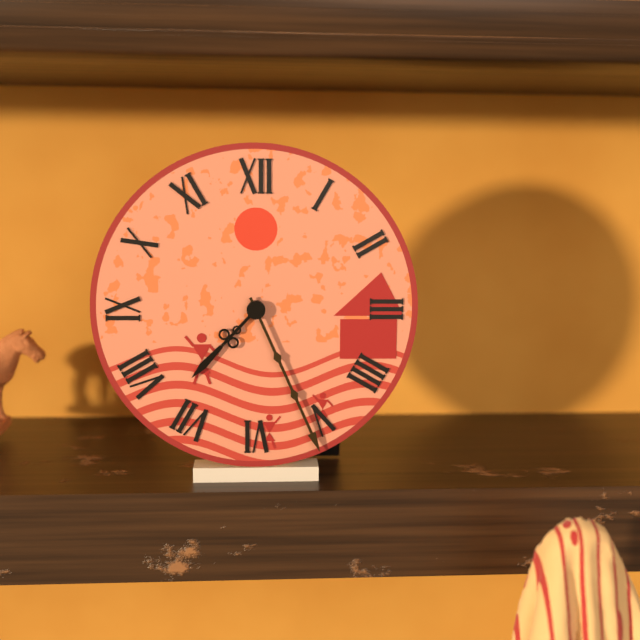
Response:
7h26
